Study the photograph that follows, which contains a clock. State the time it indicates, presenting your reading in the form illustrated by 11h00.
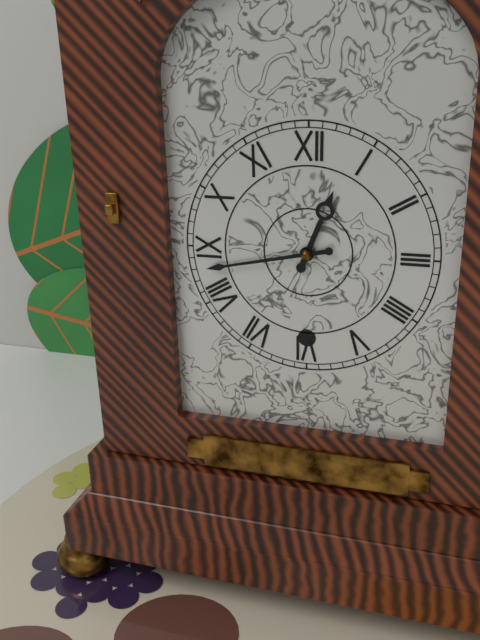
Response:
12h43
